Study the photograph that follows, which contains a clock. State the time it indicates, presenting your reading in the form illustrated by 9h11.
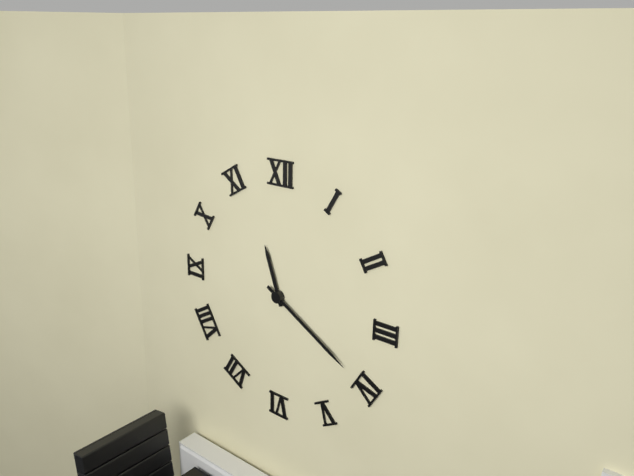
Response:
11h20
